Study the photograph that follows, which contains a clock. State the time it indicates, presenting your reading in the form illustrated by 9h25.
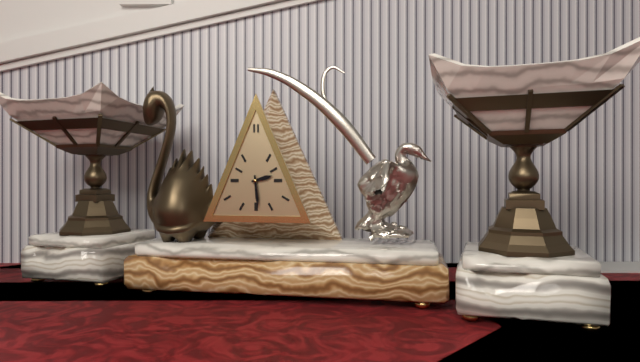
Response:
2h29
